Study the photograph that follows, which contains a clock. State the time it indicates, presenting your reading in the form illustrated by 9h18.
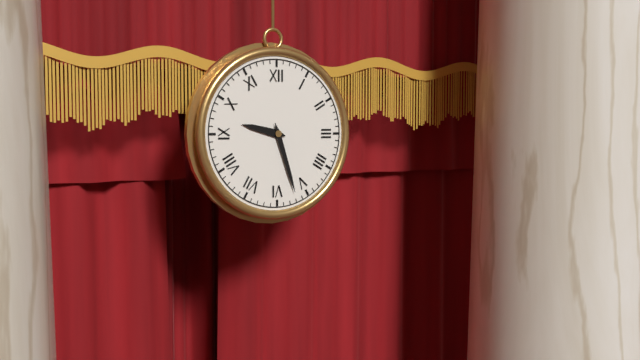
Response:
9h27
